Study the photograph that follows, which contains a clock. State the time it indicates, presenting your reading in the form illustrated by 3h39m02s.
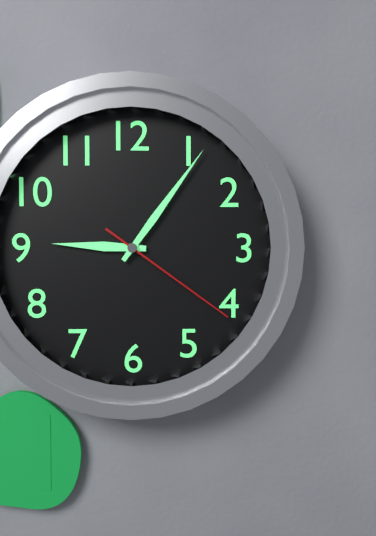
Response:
9h06m21s
